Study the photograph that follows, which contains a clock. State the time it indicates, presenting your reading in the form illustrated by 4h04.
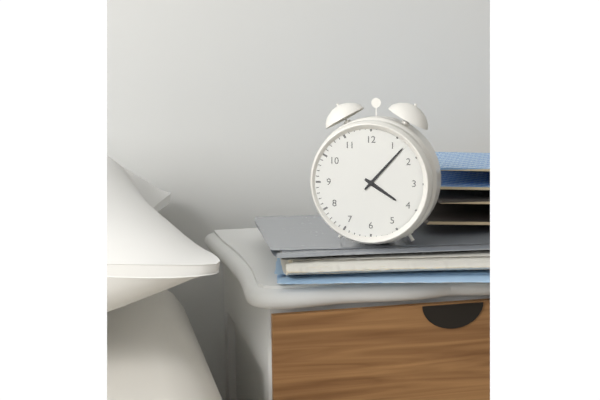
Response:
4h07
